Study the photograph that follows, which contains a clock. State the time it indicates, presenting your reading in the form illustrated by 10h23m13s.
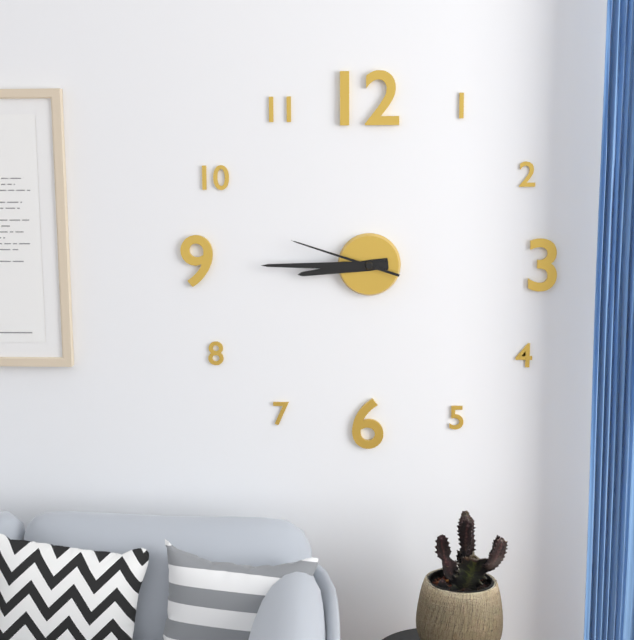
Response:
8h45m48s
